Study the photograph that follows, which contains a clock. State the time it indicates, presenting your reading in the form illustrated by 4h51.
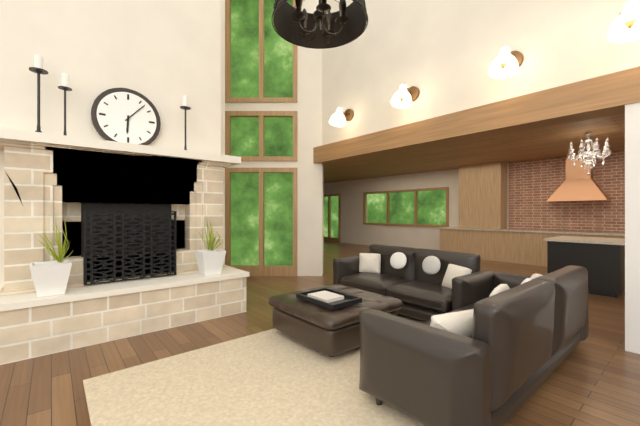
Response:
6h07
